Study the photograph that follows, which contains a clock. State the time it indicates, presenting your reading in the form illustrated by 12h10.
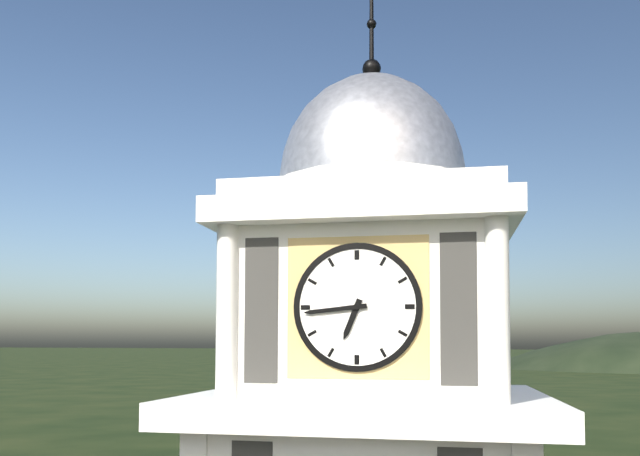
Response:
6h44
